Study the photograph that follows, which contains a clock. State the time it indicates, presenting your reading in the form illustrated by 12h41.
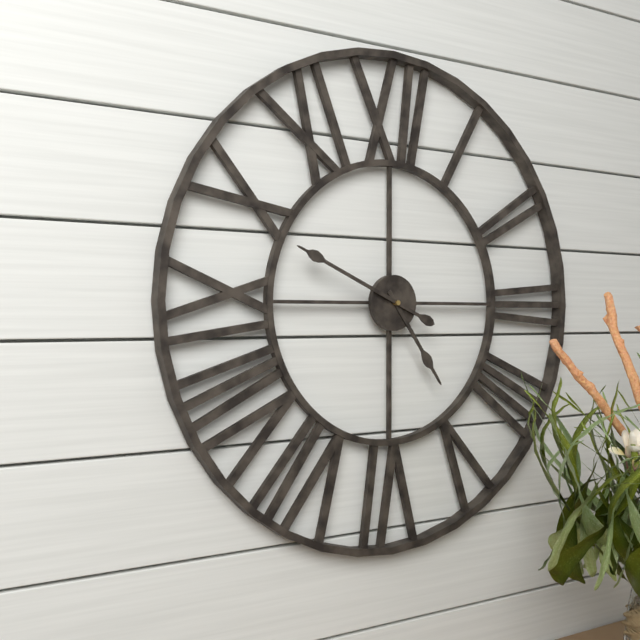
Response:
4h49
